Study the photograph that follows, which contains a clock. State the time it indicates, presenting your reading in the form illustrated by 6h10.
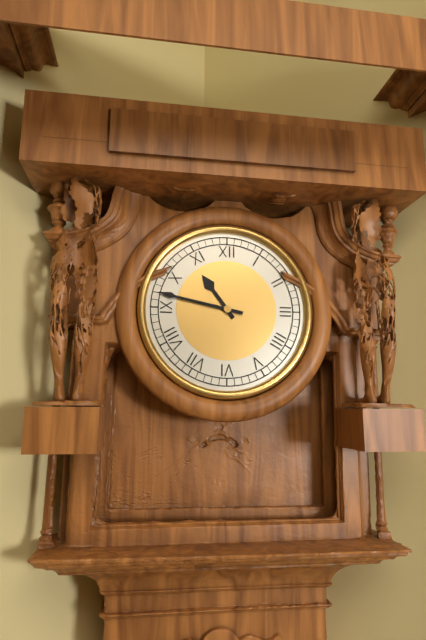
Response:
10h47
